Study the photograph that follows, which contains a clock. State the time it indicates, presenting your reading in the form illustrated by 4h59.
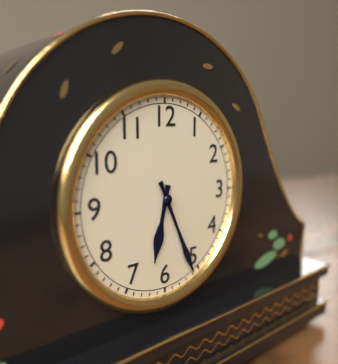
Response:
6h26
